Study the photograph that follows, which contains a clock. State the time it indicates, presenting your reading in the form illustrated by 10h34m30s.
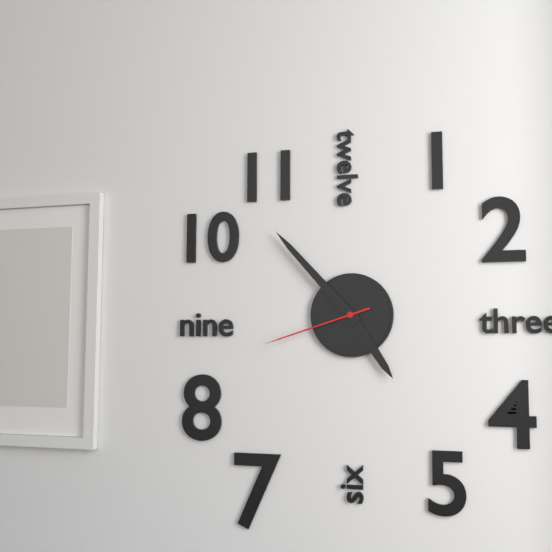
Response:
4h53m42s
